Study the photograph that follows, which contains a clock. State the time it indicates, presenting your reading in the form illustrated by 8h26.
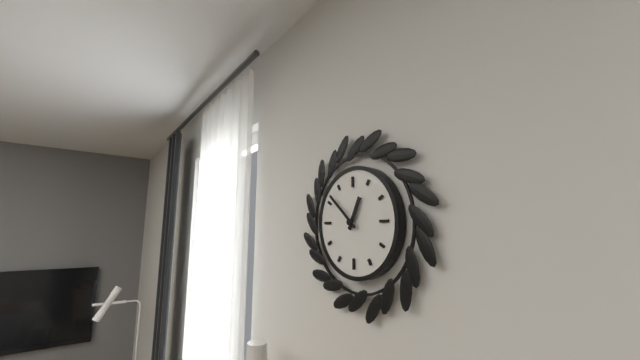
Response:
12h52
